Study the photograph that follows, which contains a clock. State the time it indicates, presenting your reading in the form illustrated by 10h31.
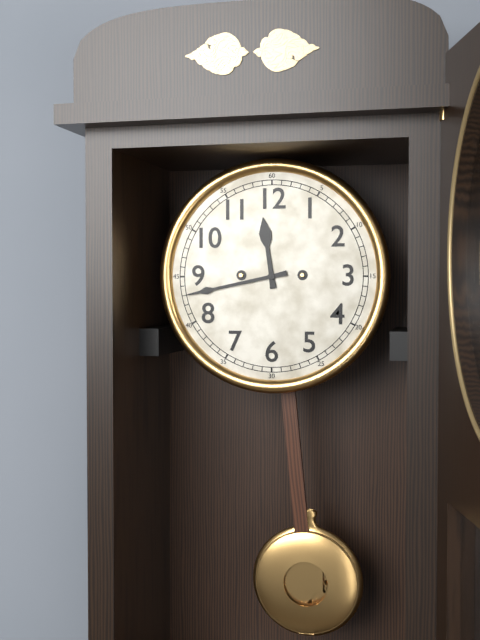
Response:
11h43
